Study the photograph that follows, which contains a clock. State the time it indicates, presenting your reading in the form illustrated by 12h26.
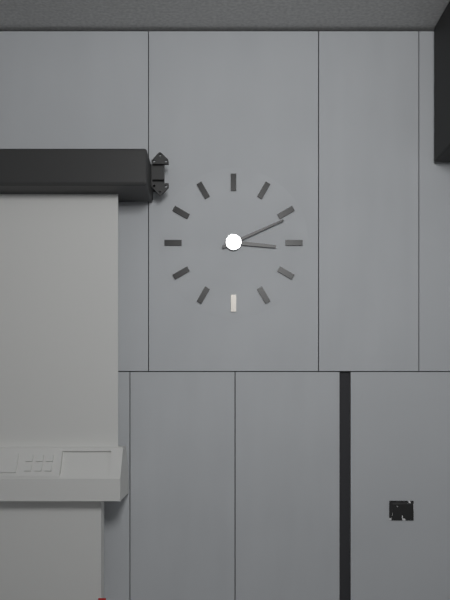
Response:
3h11
